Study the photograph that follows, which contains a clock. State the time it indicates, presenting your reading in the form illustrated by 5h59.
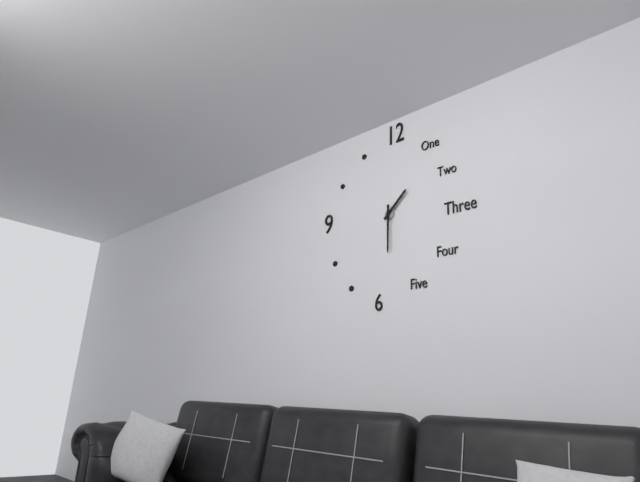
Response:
1h30
